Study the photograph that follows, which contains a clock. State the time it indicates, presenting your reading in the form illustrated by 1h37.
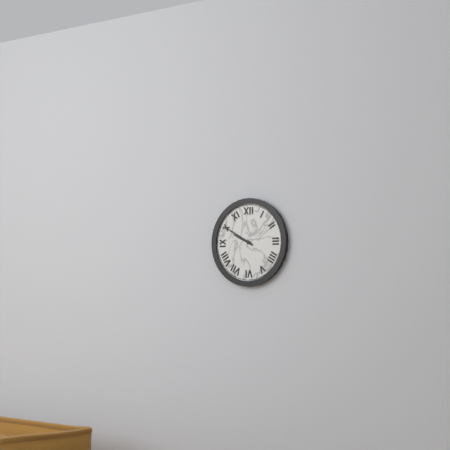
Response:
9h50
